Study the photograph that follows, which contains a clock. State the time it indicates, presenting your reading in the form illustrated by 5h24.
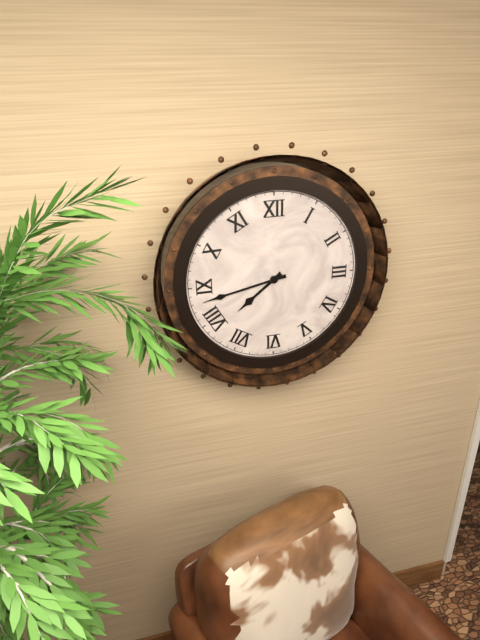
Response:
7h43
